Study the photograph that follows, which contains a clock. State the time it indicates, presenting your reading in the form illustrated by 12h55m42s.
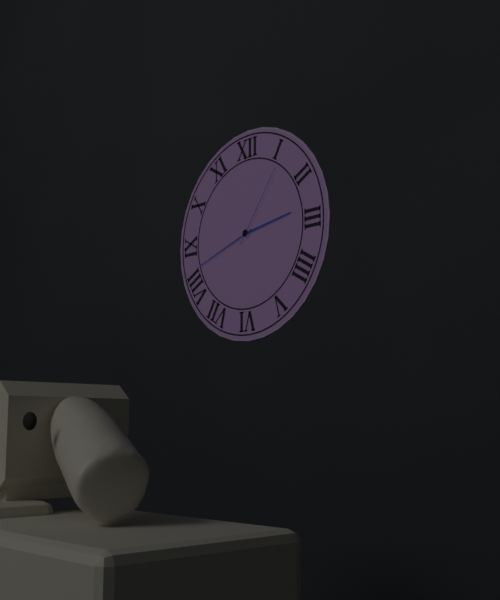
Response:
2h42m06s
